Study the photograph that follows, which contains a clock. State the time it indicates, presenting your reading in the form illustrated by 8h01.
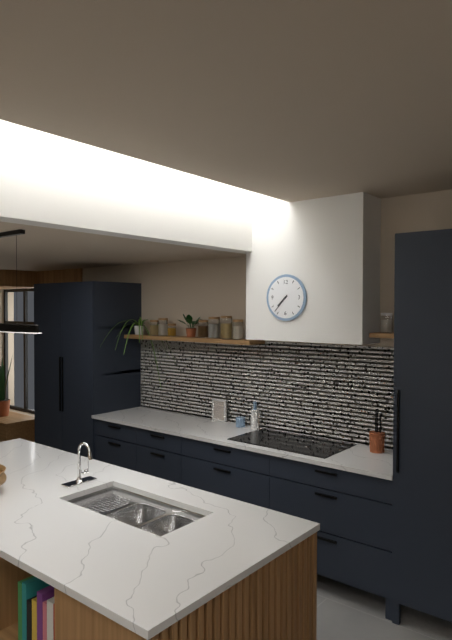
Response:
7h37
